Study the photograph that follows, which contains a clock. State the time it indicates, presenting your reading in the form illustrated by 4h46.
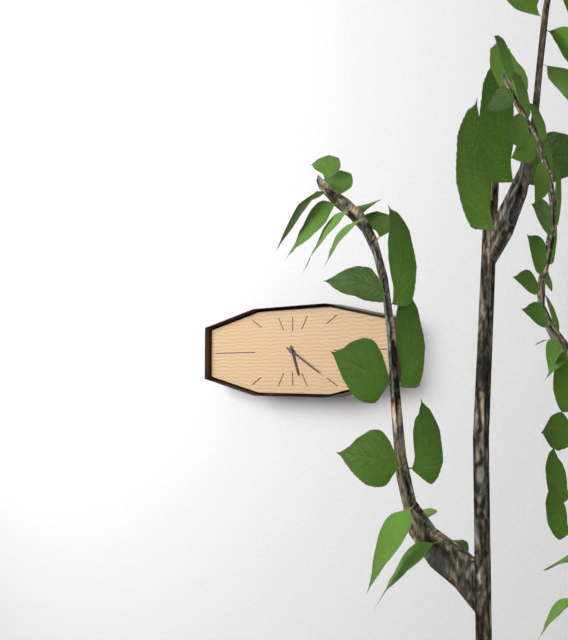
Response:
5h20
